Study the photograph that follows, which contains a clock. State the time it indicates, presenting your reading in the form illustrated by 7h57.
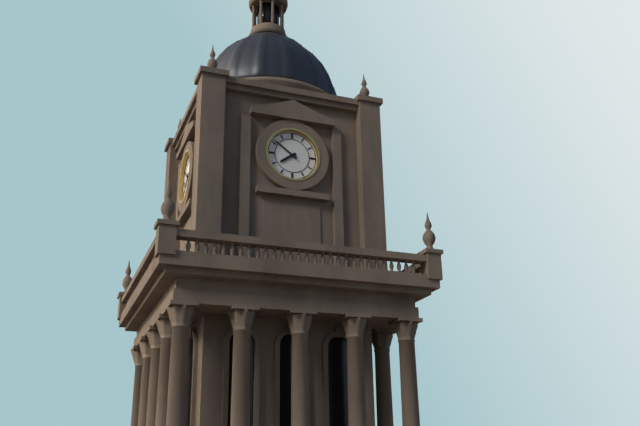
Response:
7h51
